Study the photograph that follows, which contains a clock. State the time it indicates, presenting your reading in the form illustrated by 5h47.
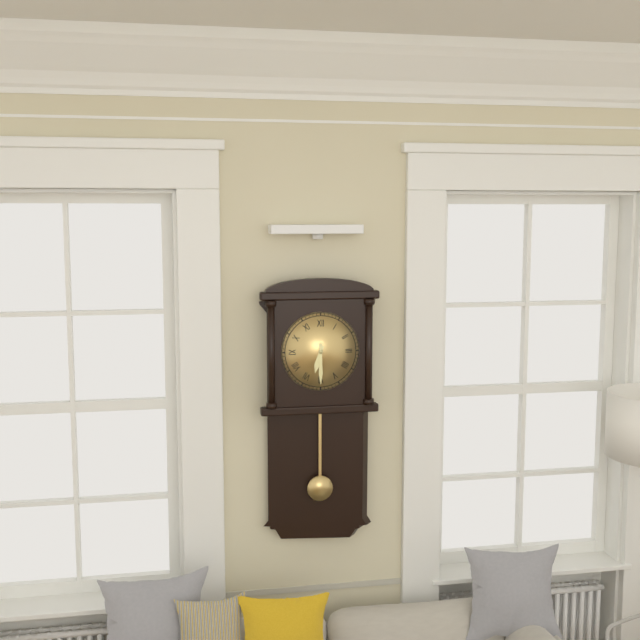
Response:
6h30
